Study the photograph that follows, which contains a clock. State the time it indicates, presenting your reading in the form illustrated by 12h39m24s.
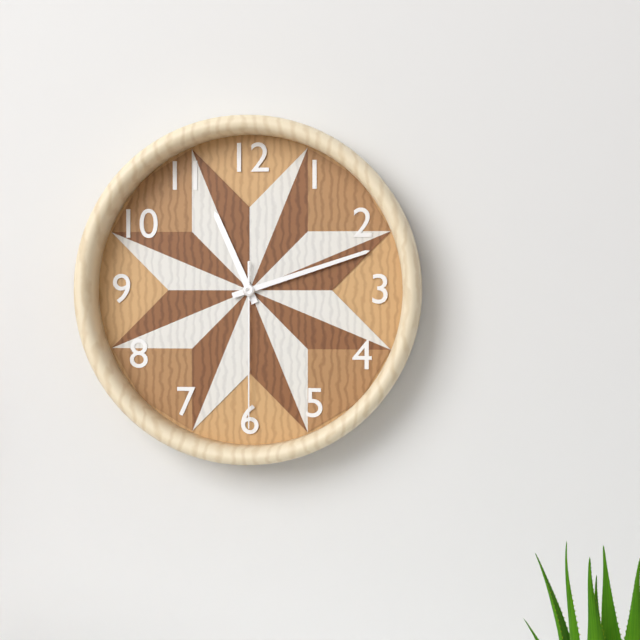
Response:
11h12m30s
